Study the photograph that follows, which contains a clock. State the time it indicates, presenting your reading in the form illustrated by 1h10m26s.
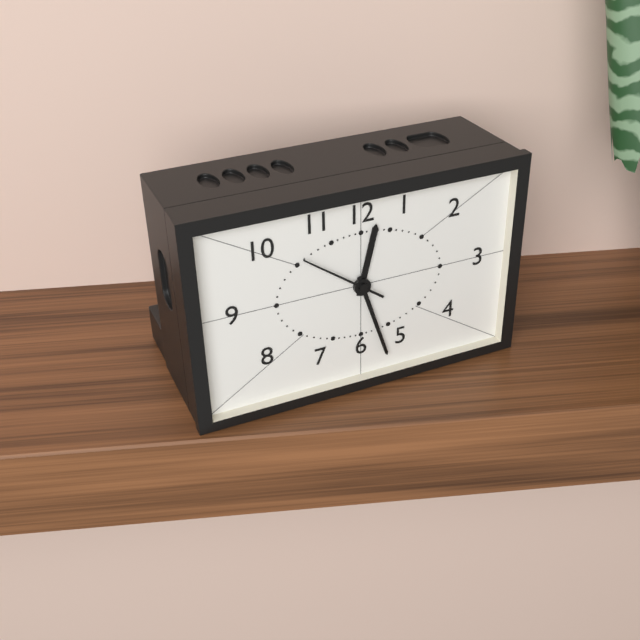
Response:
12h27m51s
